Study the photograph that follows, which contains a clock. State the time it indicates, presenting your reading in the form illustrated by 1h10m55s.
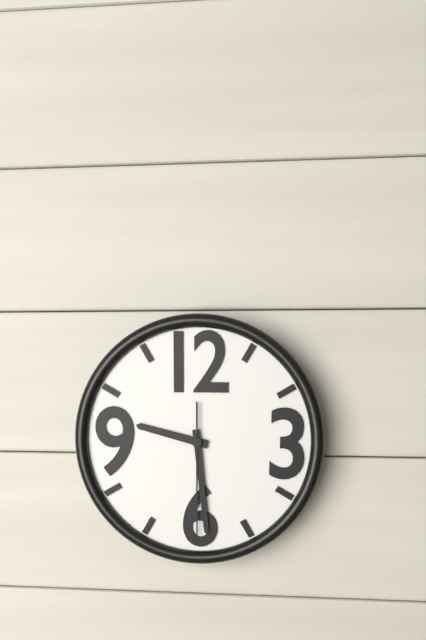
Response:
9h29m30s
